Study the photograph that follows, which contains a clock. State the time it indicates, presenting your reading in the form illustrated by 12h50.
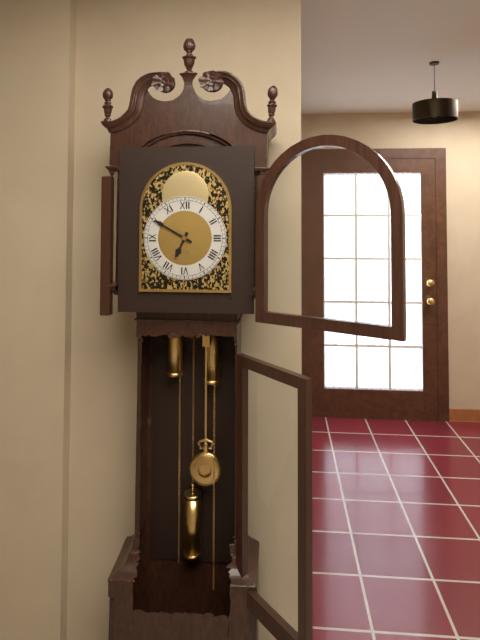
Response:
6h50
